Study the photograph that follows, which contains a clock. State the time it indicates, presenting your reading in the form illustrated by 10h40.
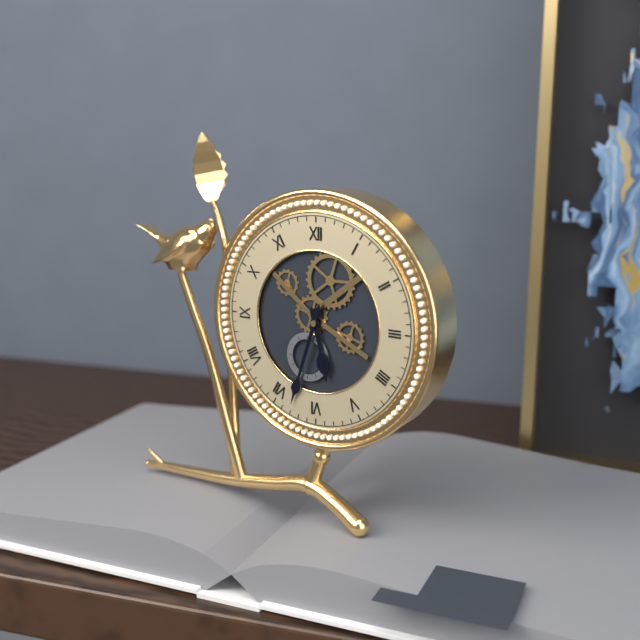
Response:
5h33
